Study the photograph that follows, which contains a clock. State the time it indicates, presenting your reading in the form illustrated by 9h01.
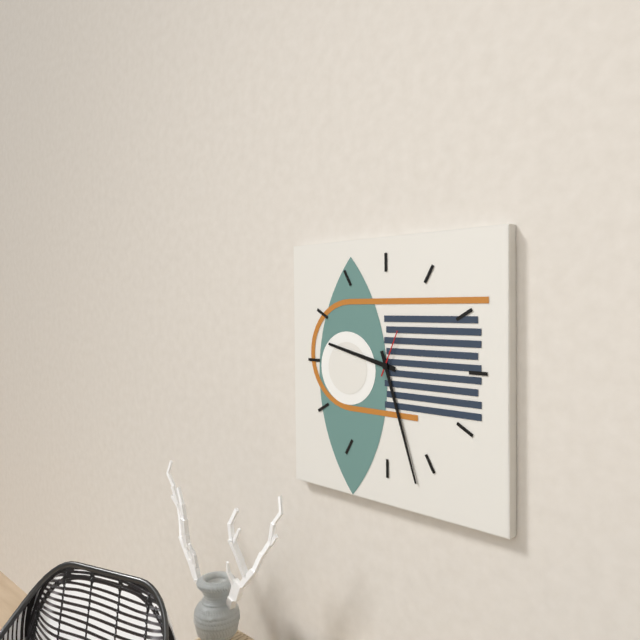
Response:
9h27
